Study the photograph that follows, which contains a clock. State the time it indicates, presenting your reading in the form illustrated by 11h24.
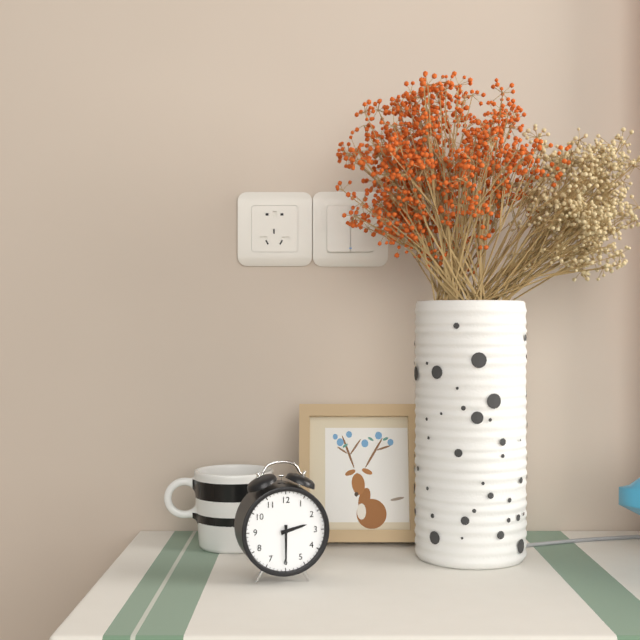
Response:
2h30
